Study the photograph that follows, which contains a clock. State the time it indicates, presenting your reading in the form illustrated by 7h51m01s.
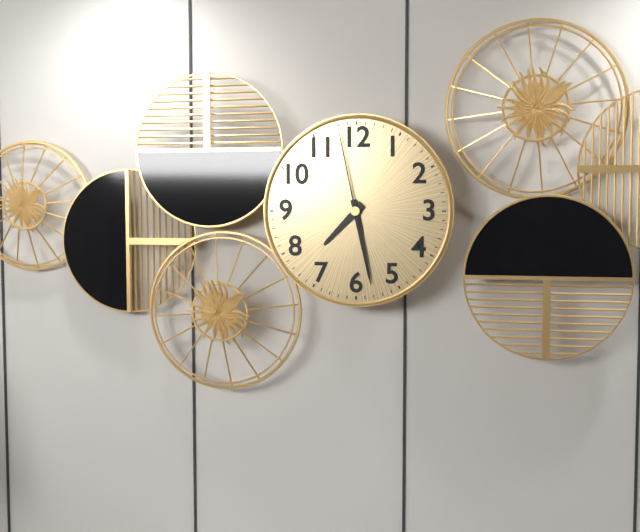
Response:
7h28m58s
